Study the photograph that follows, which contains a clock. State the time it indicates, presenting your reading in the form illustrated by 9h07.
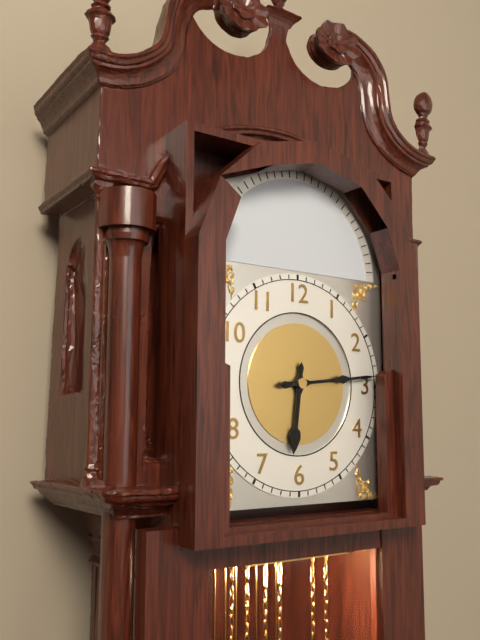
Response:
6h14
